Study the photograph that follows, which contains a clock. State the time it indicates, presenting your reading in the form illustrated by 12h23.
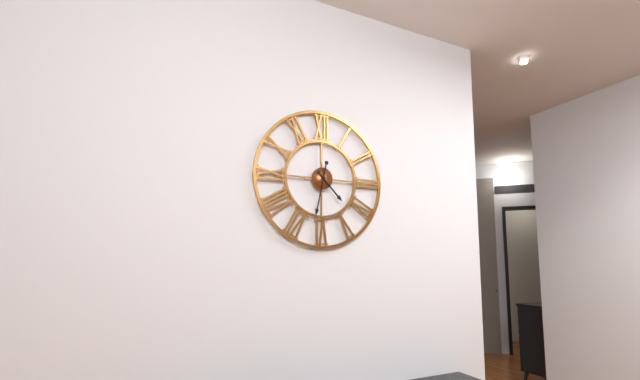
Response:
4h32
